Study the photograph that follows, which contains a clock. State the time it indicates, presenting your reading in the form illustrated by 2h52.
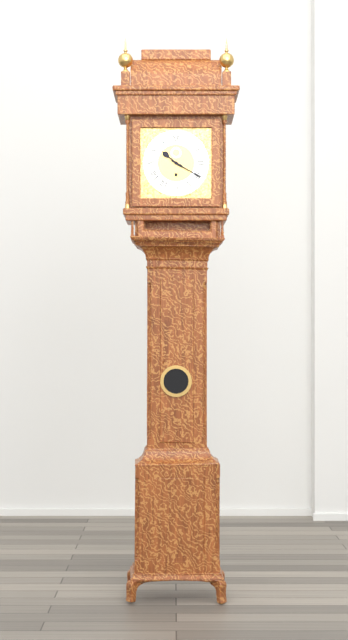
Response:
10h20
